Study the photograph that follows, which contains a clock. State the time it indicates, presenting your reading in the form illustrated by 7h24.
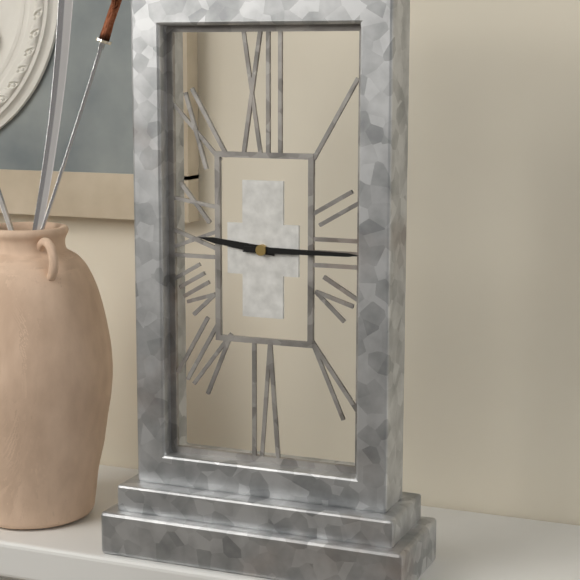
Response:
9h15
